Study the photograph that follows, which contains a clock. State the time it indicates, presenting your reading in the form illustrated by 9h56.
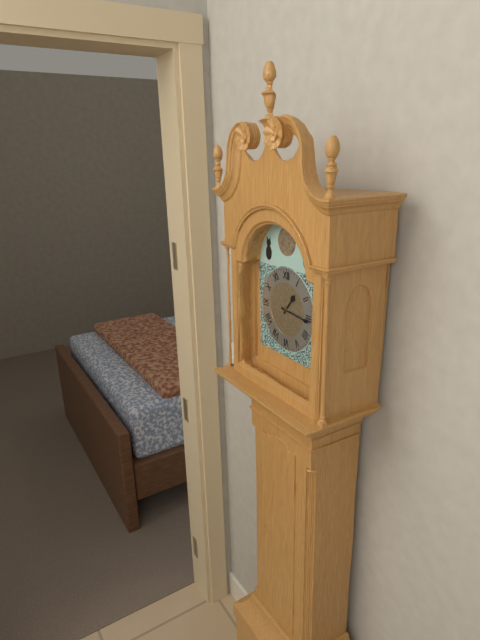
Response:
1h16
